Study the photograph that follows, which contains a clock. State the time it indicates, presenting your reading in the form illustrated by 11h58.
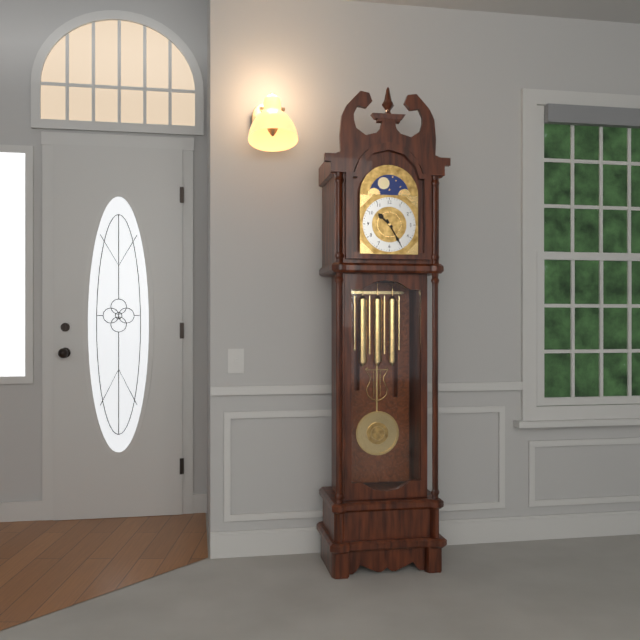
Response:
10h25
